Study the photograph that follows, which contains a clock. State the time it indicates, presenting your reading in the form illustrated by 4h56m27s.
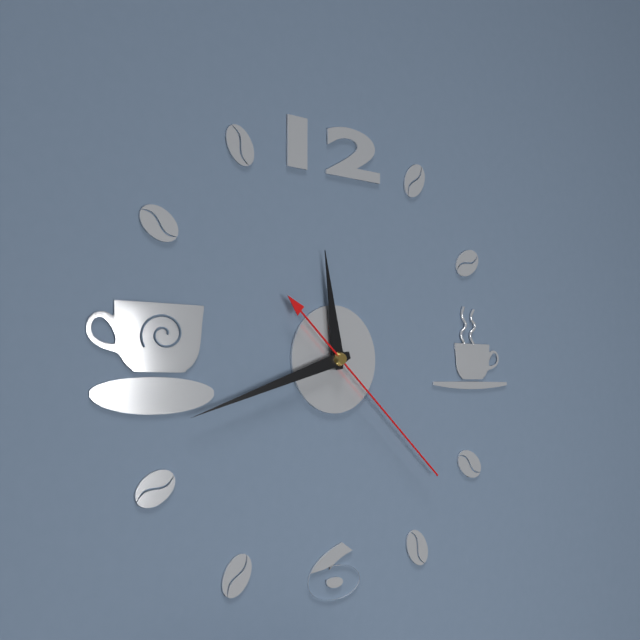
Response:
11h42m22s
